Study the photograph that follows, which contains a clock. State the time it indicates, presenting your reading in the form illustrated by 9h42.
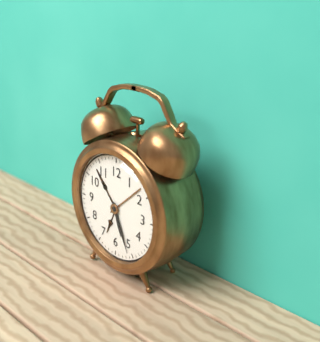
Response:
5h26
